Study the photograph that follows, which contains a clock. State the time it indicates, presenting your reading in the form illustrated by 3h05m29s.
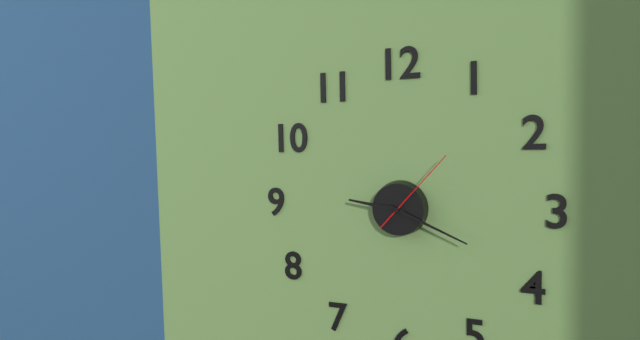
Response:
9h19m07s
